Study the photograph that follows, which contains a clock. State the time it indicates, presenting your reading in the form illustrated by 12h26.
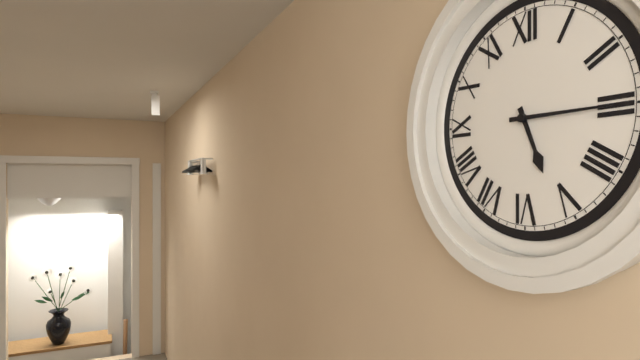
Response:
5h15
